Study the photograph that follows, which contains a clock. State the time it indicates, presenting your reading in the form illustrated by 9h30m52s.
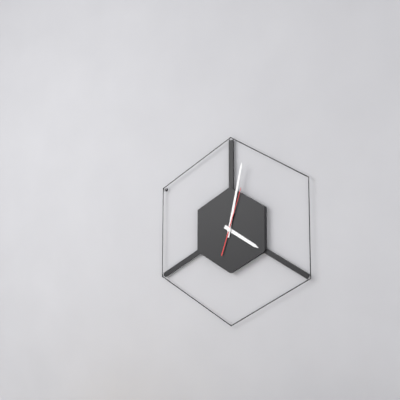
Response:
4h02m03s
